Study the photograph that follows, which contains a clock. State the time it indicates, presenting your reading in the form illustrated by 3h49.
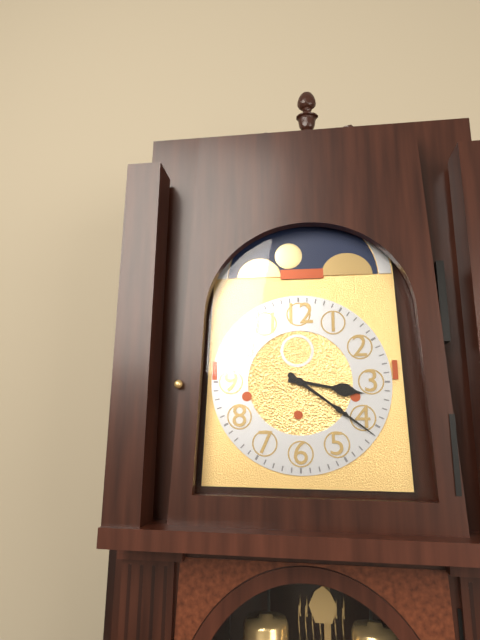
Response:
3h21
